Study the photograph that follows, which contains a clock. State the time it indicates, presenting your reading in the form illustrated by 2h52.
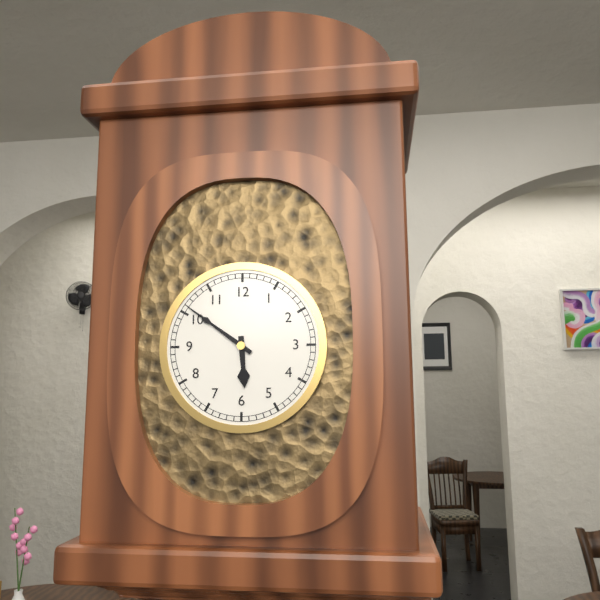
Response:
5h51
